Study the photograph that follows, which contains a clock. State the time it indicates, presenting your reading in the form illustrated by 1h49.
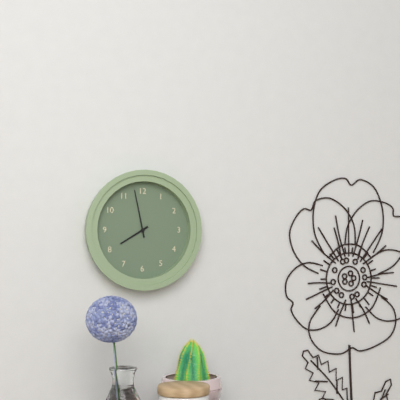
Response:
7h58
